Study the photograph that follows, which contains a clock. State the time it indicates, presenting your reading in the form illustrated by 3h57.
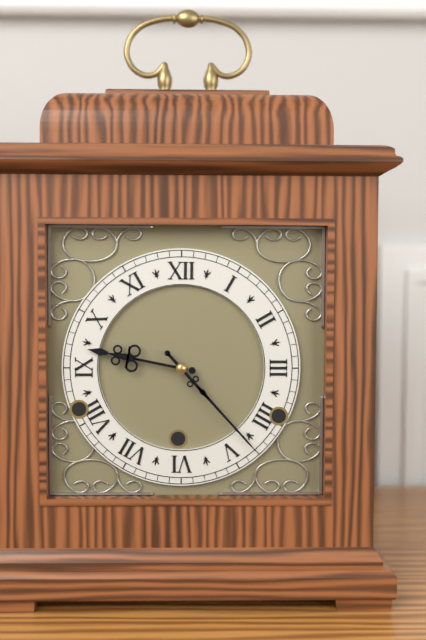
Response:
9h23
